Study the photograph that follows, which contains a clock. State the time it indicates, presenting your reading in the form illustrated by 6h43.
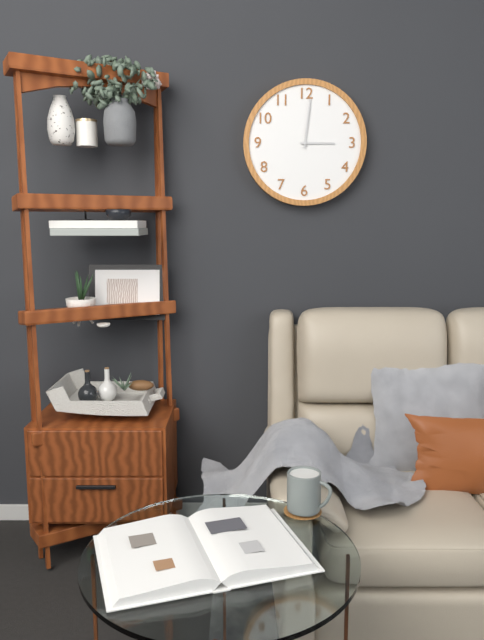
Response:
3h01
